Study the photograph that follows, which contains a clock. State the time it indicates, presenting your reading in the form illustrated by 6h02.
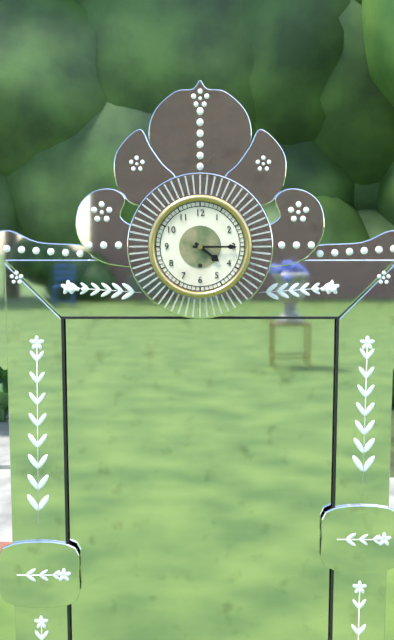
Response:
4h15
